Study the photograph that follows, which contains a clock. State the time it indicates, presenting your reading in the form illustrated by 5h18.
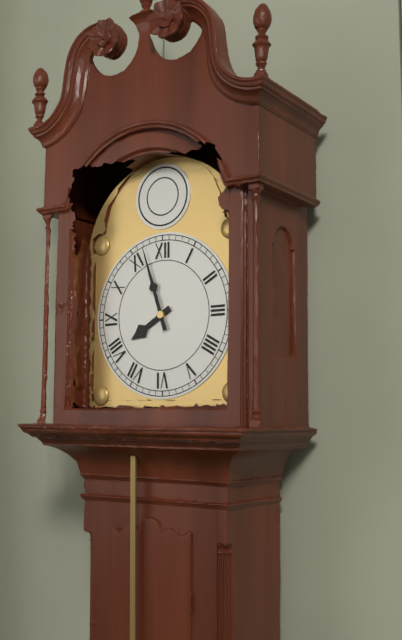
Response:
7h57
